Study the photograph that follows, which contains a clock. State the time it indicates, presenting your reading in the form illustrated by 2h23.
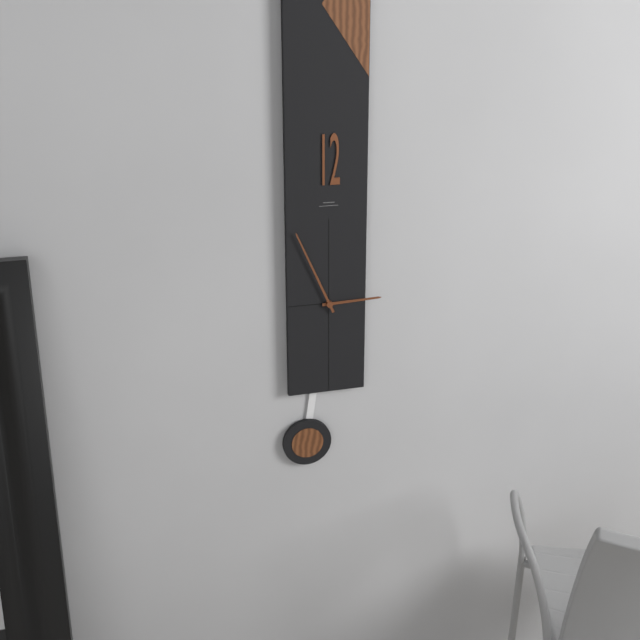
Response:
2h56
